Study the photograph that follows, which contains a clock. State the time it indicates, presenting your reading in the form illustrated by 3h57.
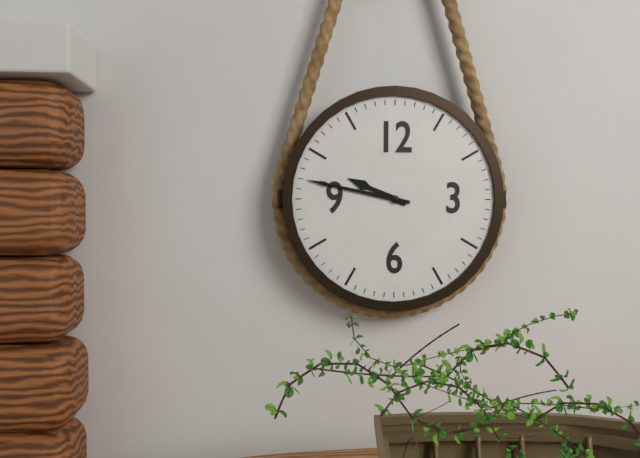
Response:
9h47
